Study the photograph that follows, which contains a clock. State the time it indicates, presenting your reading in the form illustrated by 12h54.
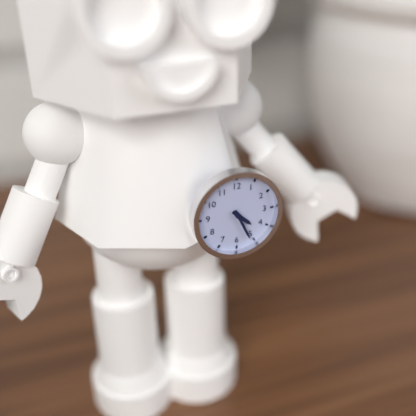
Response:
4h26
